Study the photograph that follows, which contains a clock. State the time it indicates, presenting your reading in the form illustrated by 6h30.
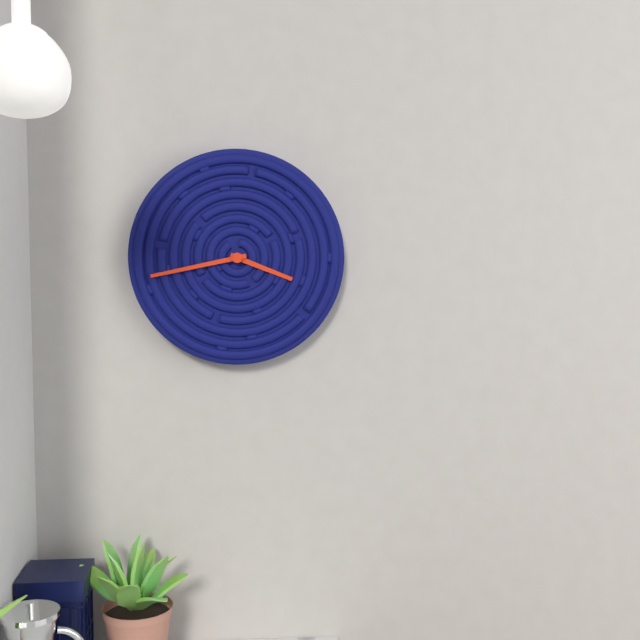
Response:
3h43
